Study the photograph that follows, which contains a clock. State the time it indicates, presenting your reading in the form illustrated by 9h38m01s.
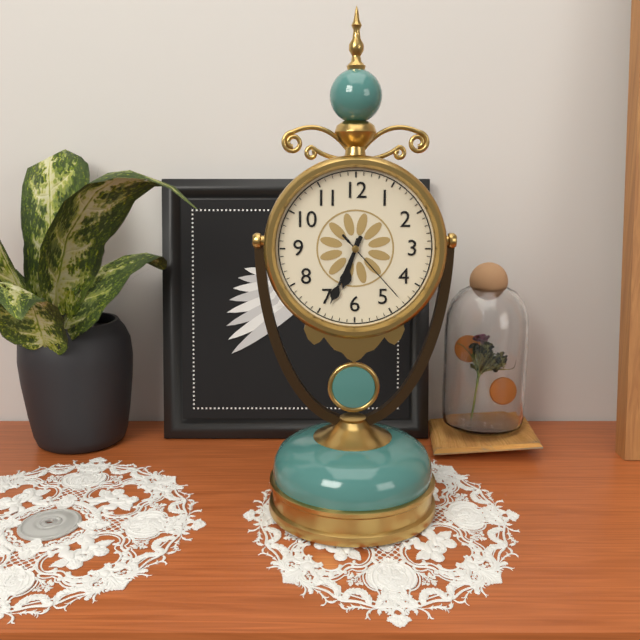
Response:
6h34m23s
